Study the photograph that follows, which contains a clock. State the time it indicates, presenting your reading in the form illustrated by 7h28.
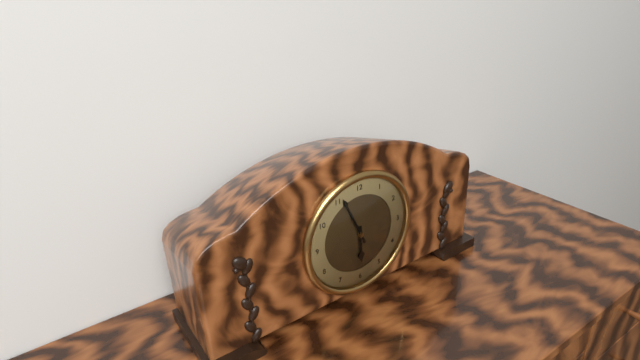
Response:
5h56
